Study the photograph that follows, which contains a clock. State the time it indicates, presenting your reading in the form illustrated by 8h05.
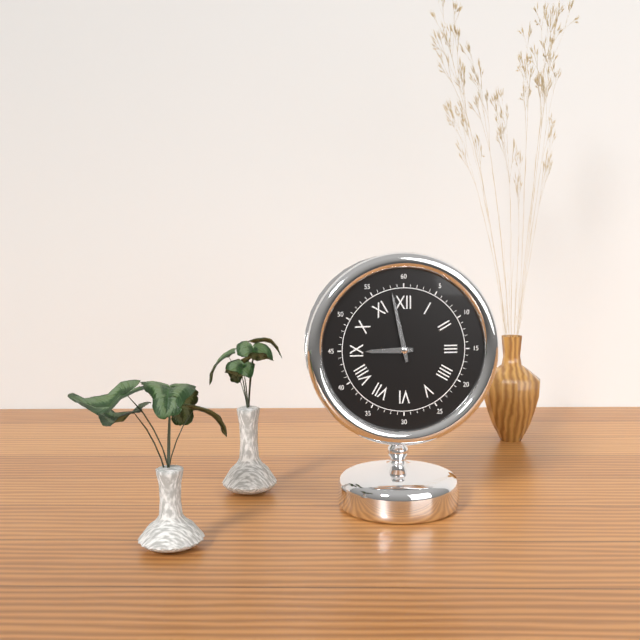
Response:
8h58
